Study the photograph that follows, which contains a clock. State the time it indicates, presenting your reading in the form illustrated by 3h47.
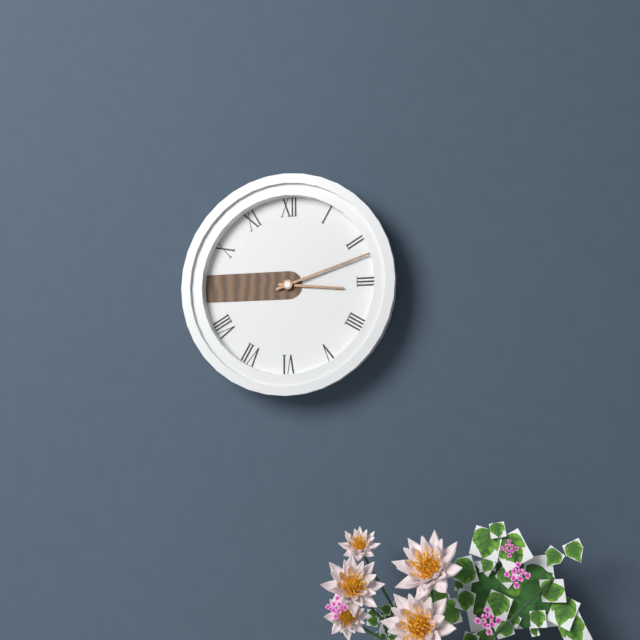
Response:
3h12
